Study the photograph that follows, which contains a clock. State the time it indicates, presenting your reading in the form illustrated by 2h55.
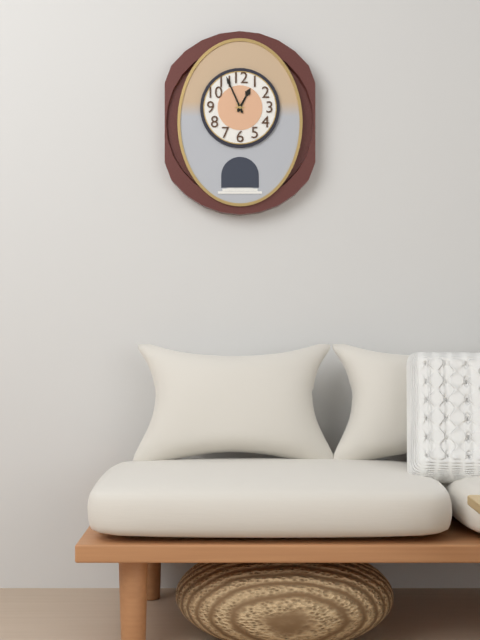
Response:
12h56
